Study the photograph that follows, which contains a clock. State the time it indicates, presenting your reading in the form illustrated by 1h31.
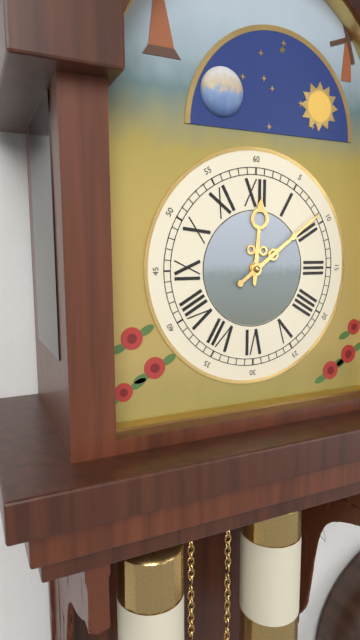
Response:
12h09
